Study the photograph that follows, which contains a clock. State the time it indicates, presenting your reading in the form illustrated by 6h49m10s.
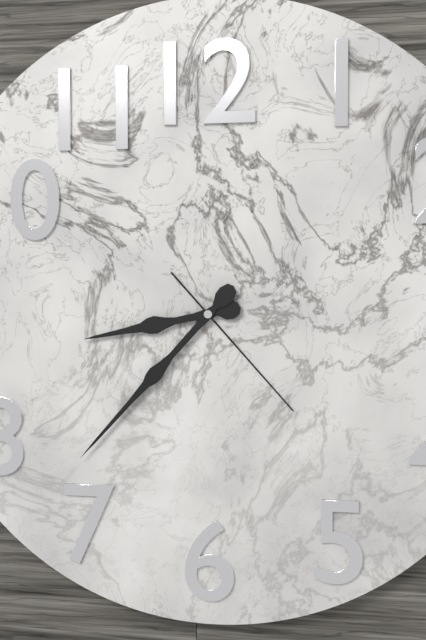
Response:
8h37m23s
